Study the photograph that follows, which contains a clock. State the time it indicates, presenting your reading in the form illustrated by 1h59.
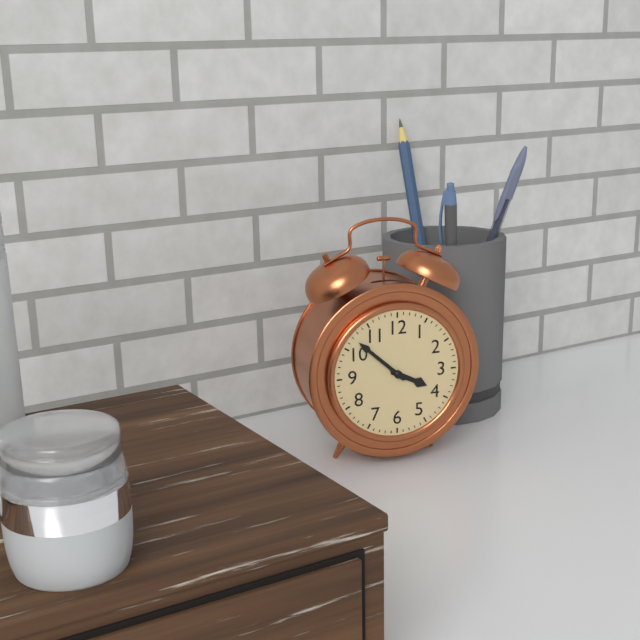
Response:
3h52
